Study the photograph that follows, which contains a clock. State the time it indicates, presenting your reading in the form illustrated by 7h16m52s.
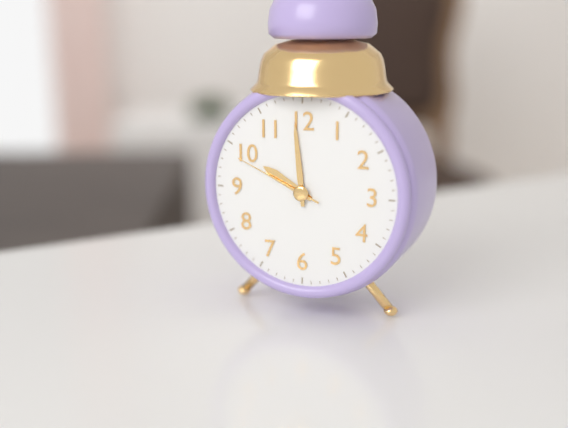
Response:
9h59m49s
